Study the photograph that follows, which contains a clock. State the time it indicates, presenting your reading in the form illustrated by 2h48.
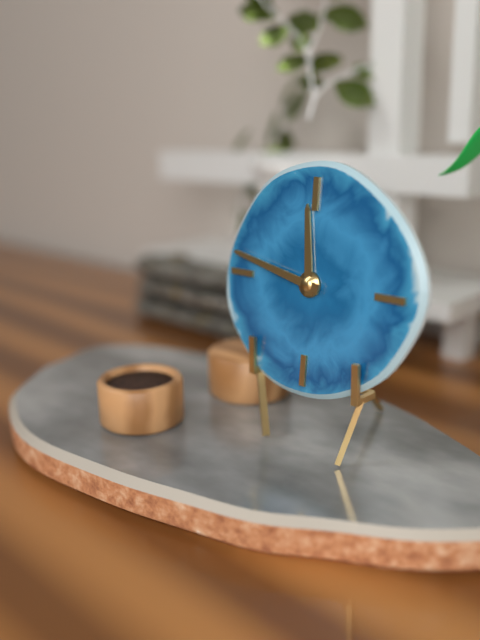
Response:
11h47
